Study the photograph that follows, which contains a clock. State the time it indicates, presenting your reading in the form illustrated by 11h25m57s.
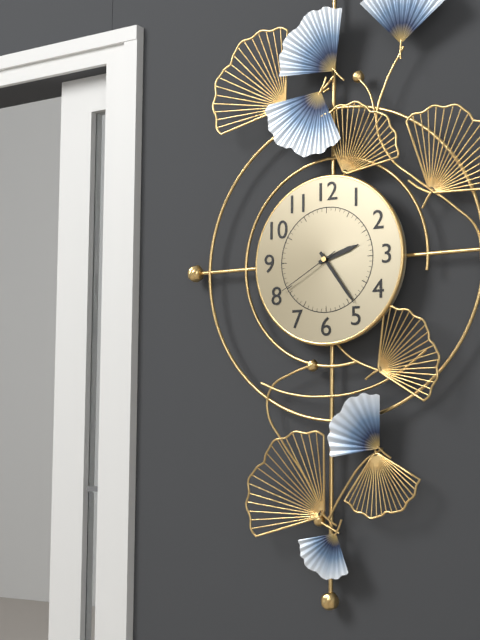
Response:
2h24m40s
